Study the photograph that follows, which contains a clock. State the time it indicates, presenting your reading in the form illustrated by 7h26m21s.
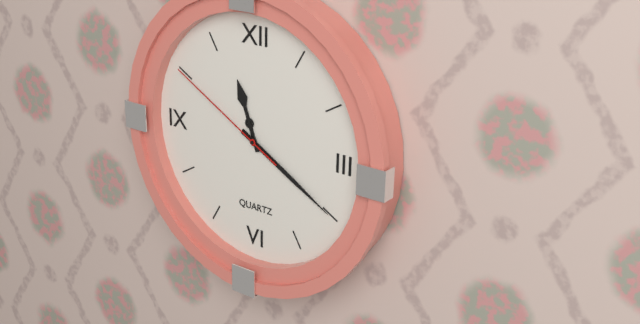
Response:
11h20m50s
